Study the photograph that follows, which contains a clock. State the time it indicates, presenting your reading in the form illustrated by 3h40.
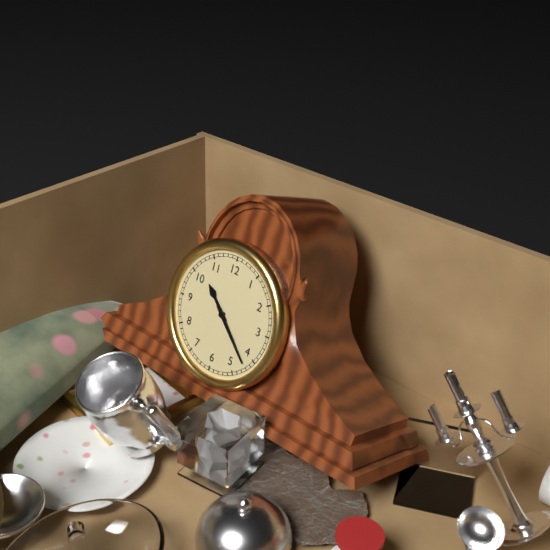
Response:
10h22
